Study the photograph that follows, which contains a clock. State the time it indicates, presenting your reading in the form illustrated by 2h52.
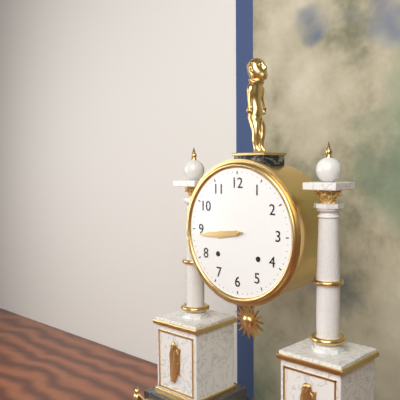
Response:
8h44
